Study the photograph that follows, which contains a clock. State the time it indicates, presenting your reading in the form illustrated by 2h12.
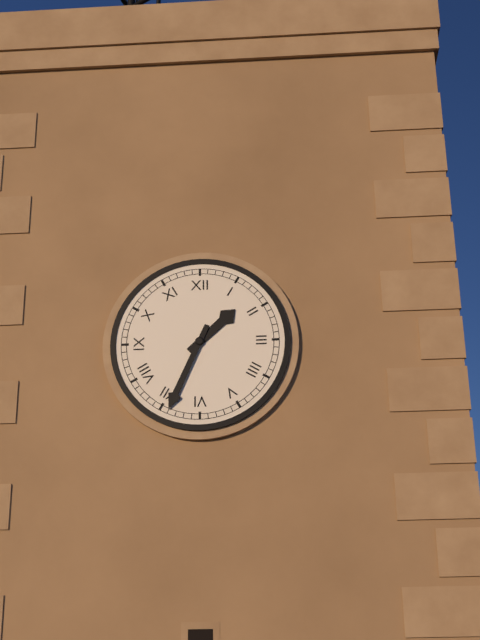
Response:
1h34
